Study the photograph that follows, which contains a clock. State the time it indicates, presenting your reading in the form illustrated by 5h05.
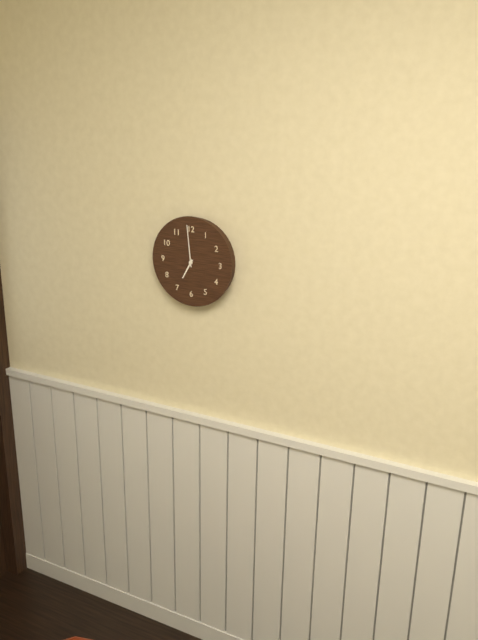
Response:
6h59
